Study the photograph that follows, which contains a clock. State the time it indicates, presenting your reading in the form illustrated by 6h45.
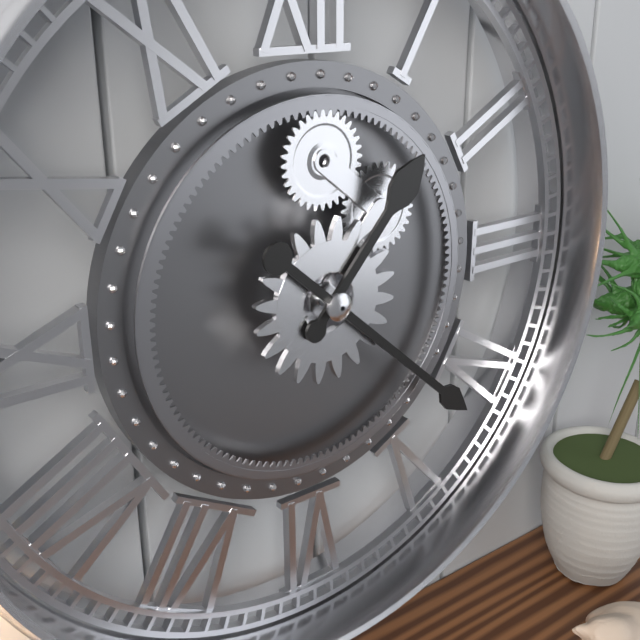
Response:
1h22
